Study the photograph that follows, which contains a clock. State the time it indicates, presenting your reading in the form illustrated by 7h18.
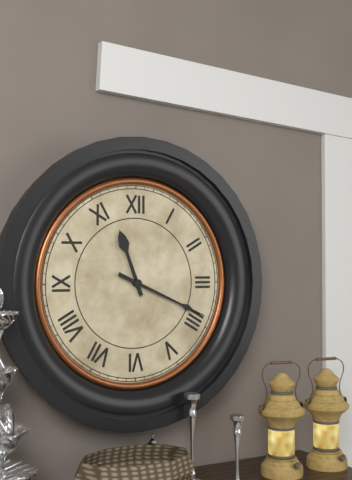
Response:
11h19
